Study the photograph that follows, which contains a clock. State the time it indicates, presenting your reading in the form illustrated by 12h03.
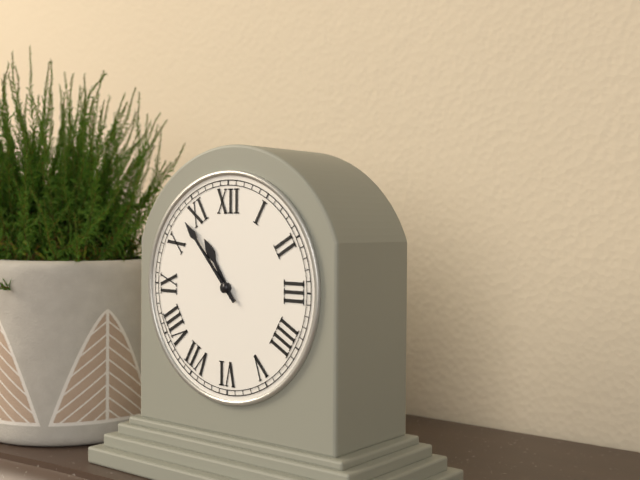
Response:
10h53
